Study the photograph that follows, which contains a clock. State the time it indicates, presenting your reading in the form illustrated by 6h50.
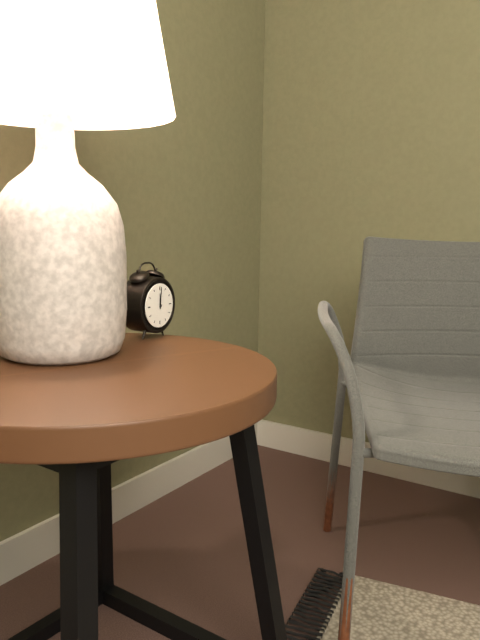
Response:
12h01
